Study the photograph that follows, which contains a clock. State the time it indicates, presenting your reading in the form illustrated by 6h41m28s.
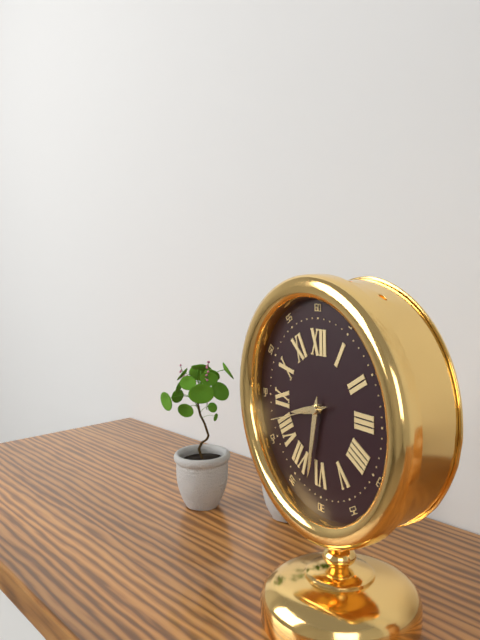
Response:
8h32m42s
